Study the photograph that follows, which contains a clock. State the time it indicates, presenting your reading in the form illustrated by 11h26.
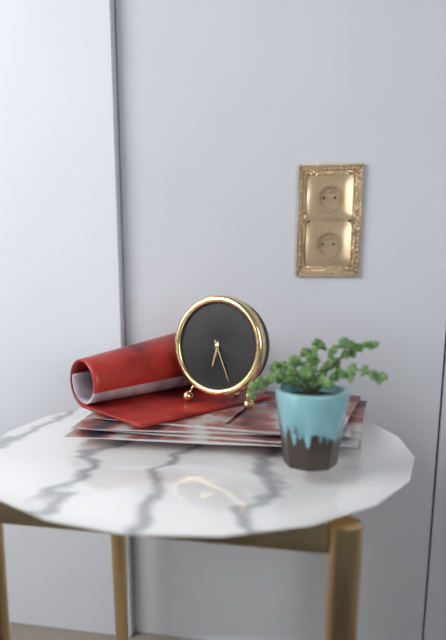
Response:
6h26
